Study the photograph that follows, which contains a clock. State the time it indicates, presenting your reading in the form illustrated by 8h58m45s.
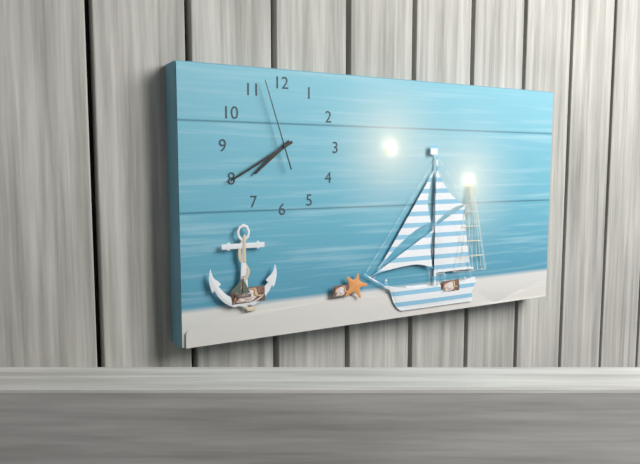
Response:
7h40m57s
